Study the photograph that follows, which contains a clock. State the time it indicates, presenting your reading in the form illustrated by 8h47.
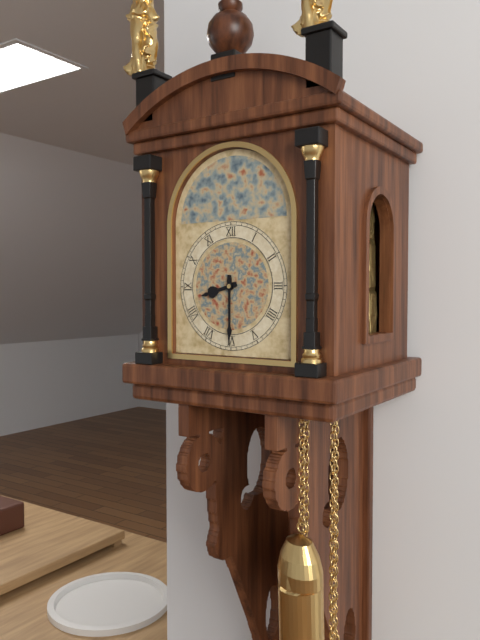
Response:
8h30
